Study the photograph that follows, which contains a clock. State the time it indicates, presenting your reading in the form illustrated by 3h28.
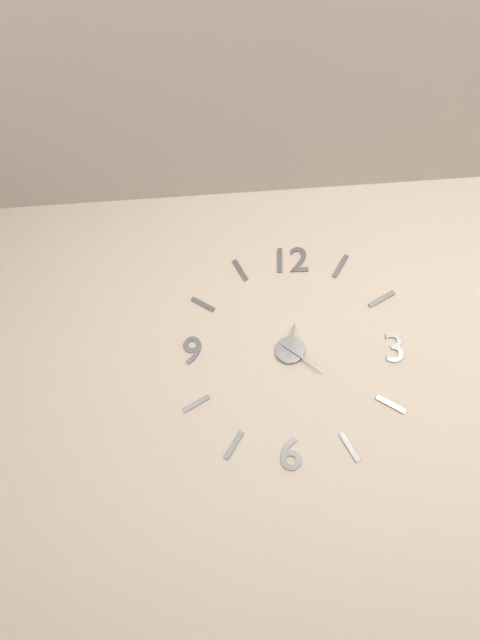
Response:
12h21
